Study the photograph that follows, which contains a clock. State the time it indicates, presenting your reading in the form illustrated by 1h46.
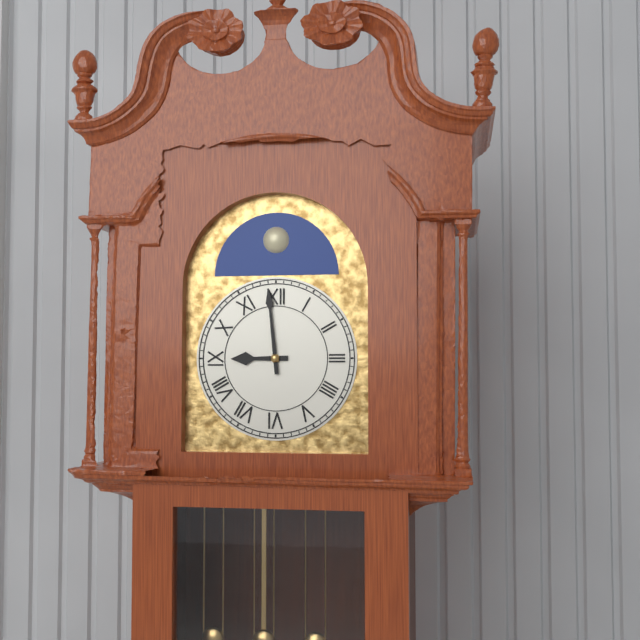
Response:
8h59
